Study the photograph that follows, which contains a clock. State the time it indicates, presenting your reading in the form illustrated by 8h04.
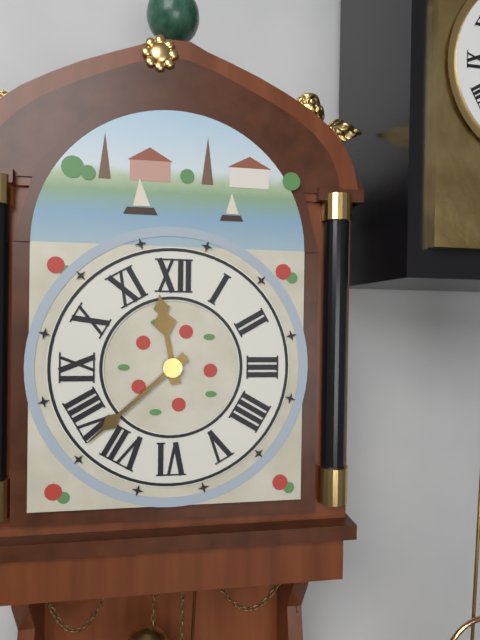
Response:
11h38
